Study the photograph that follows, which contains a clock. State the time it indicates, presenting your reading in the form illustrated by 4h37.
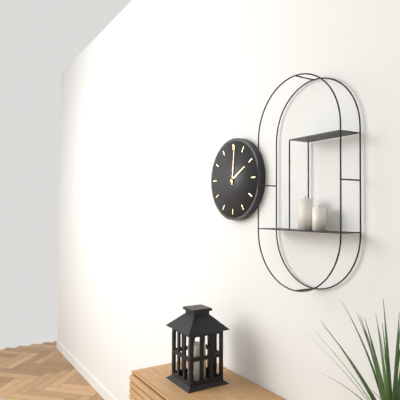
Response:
2h01
